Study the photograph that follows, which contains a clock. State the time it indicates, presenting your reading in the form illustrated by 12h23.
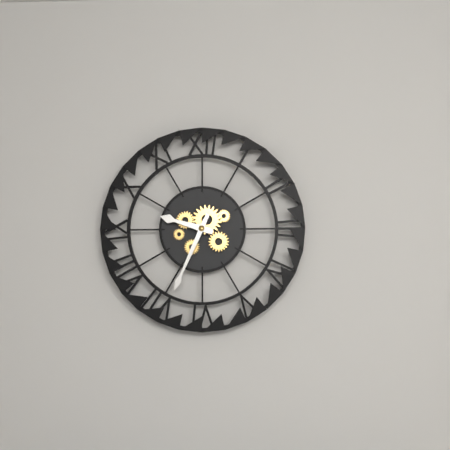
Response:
9h34
